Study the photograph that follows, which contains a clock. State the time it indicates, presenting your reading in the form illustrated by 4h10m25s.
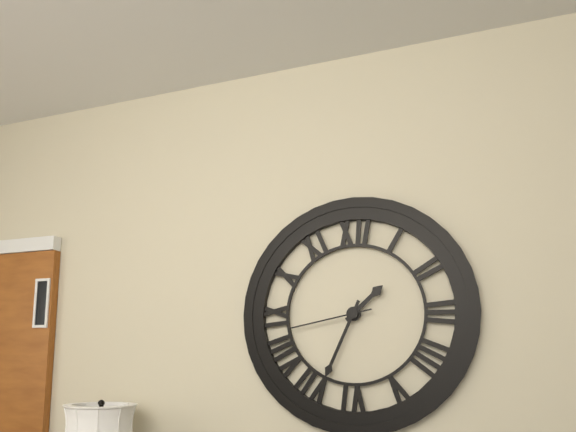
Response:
1h34m43s
